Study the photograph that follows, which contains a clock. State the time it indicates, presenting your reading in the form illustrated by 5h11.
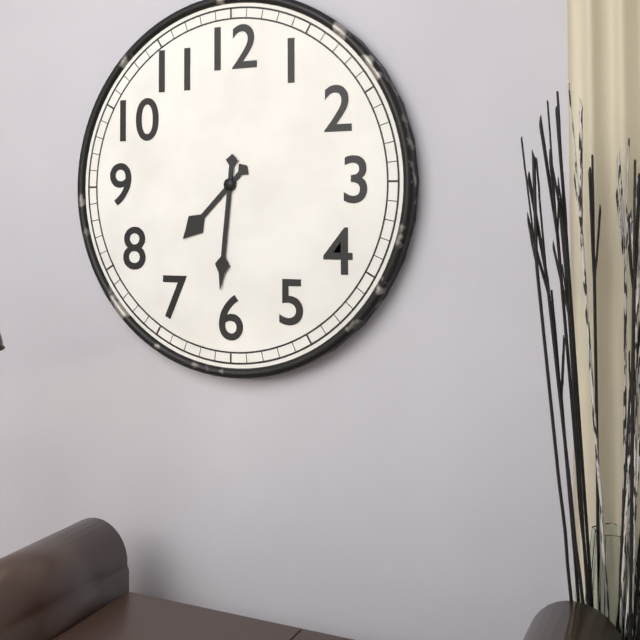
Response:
7h31
